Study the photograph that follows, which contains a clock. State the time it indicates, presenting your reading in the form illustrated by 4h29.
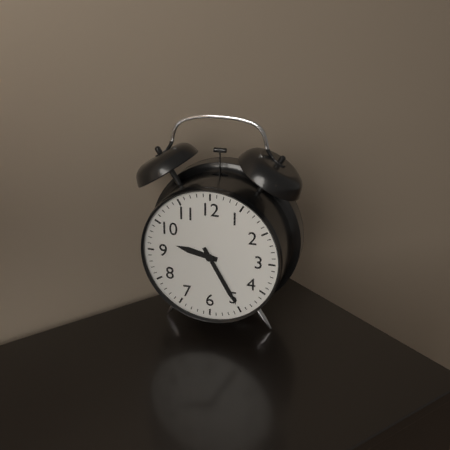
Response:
9h25
